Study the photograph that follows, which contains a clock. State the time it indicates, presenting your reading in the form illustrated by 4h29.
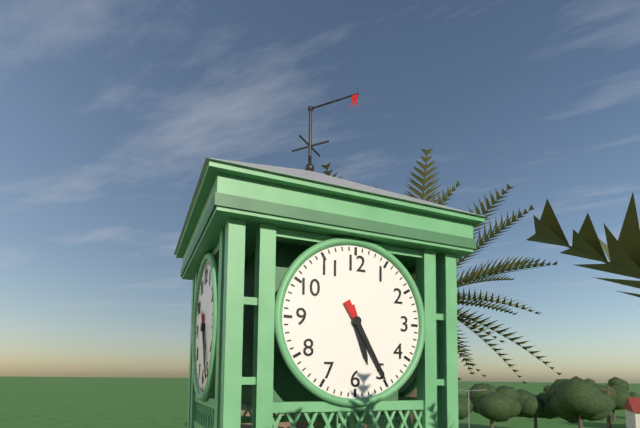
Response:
5h25
